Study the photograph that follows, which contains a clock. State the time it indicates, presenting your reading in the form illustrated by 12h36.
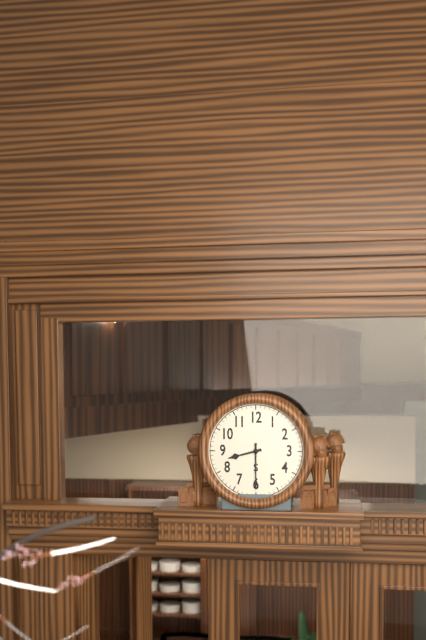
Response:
8h30
